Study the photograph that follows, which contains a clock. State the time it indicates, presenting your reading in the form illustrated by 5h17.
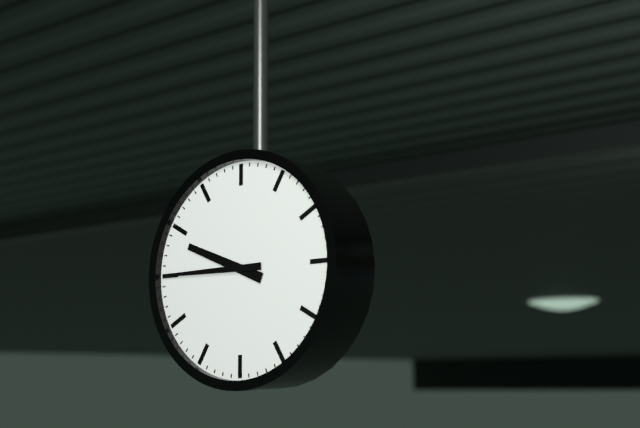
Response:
9h45
